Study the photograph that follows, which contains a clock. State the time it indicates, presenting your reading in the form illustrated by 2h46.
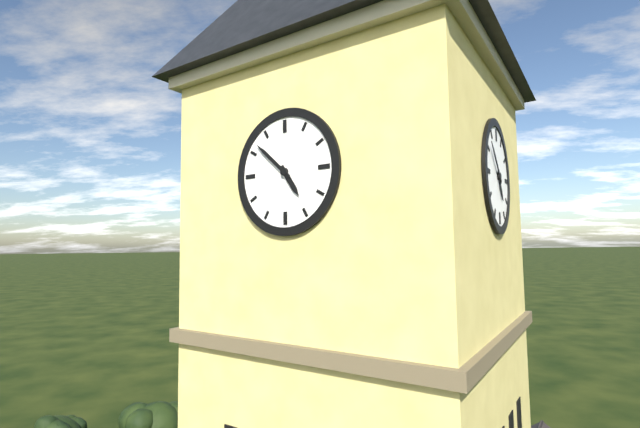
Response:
4h52
